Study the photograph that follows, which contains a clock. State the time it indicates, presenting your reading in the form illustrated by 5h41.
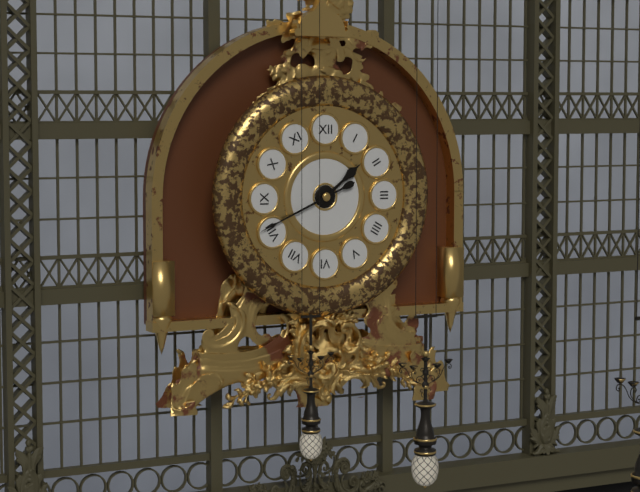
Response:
1h41
